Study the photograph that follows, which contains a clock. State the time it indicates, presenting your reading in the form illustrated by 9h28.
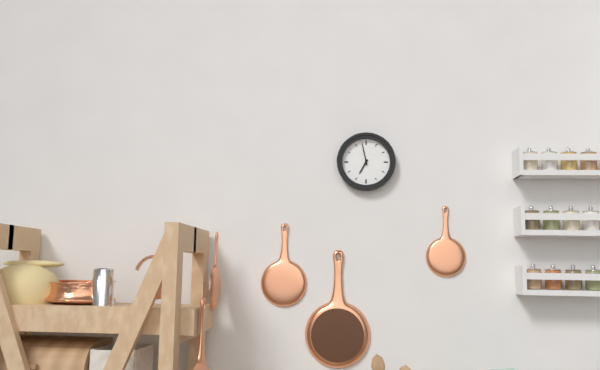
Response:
6h58
